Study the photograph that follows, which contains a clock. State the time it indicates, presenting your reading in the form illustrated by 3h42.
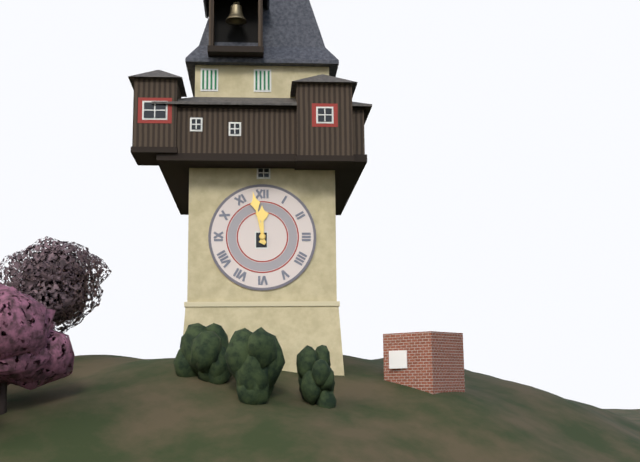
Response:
11h58
